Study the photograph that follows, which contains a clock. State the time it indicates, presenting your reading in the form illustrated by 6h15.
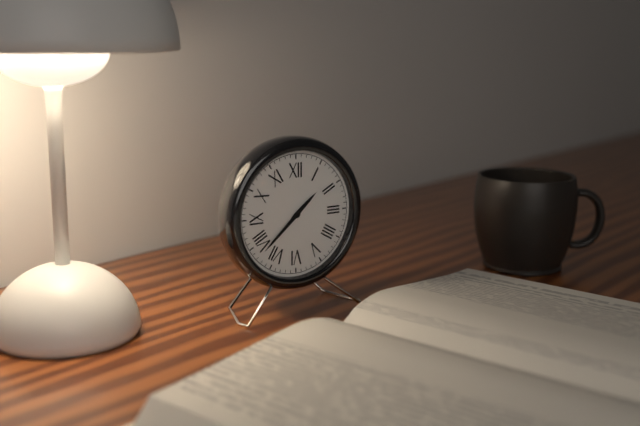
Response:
1h38
